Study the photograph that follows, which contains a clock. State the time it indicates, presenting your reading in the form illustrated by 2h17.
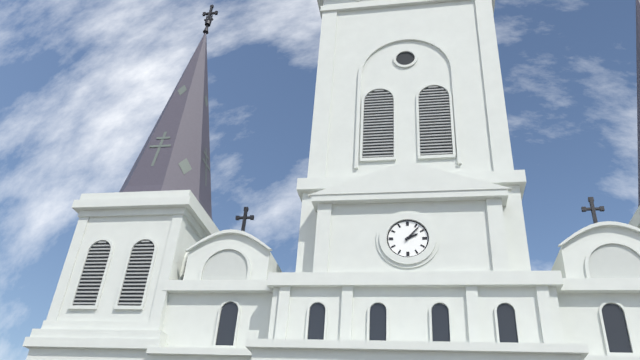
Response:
2h07
